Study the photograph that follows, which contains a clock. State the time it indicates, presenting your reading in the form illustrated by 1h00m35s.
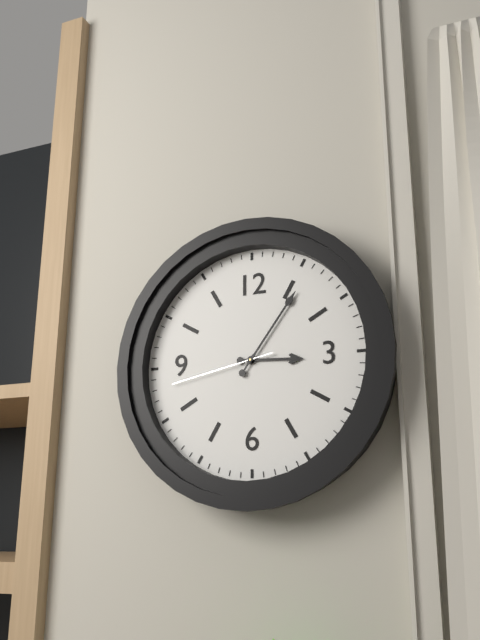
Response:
3h06m43s
